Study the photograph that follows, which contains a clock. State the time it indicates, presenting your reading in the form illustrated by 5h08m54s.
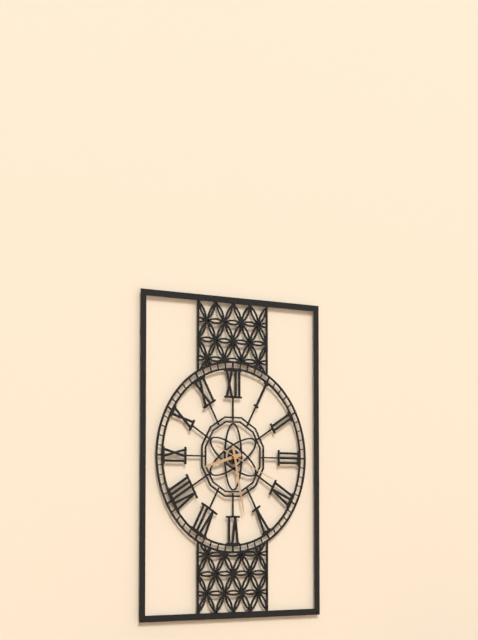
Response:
8h28m19s
